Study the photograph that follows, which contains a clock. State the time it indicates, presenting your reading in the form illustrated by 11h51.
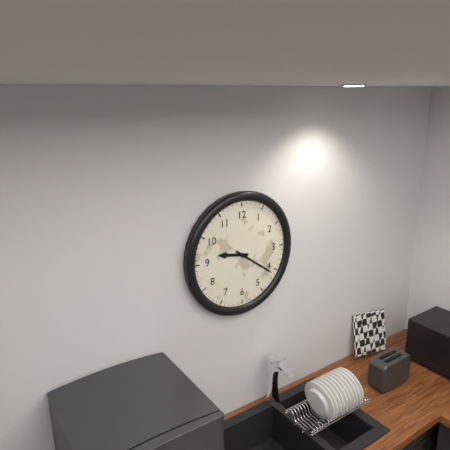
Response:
9h21
